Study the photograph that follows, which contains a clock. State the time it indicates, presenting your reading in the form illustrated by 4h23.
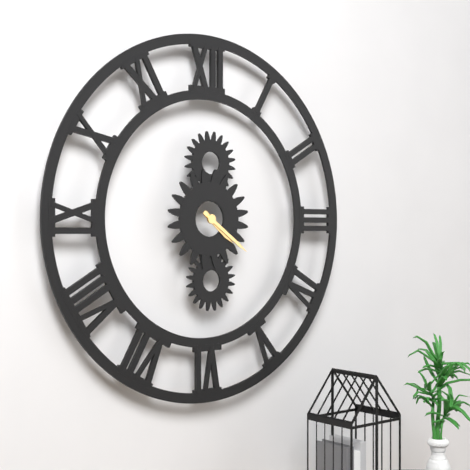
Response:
4h21
